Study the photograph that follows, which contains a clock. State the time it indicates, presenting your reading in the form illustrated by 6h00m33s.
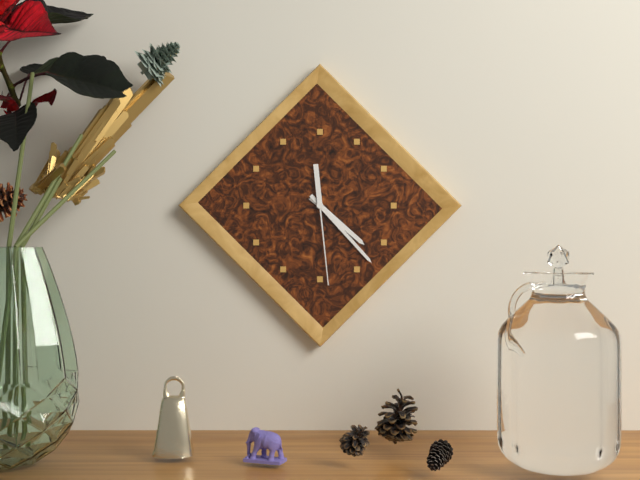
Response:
4h23m29s
